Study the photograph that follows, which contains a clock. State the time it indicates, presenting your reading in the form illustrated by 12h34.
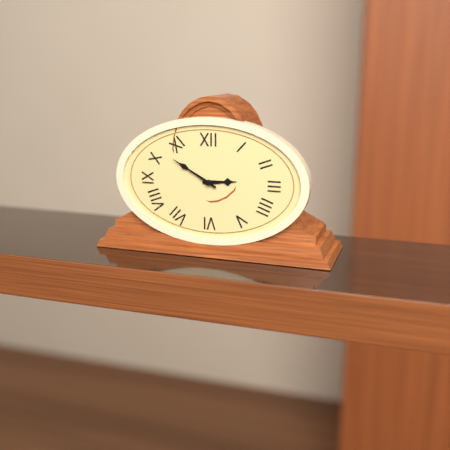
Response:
2h50
